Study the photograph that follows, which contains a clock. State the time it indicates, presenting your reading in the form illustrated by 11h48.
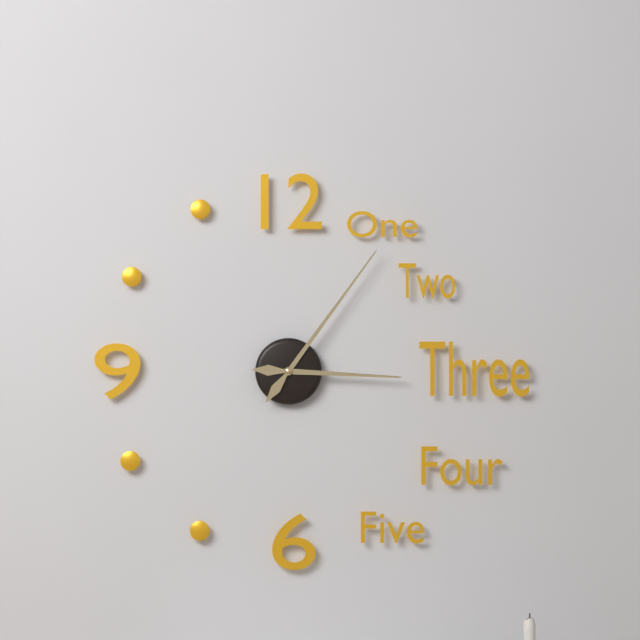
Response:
3h06
